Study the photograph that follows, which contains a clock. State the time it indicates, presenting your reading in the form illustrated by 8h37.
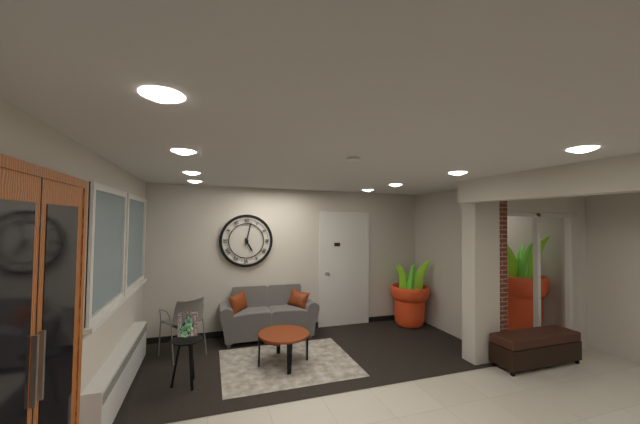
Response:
5h02
